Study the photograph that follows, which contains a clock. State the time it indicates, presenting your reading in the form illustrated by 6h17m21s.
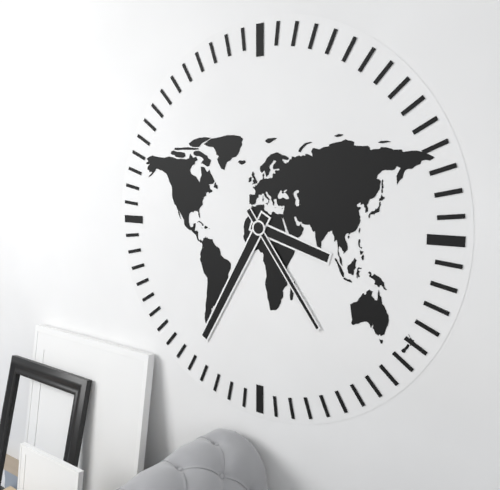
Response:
3h35m24s
